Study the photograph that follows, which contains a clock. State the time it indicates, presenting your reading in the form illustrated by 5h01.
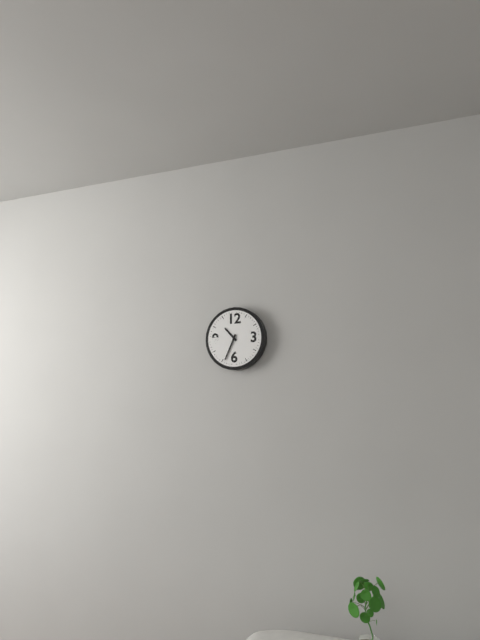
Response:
10h34
